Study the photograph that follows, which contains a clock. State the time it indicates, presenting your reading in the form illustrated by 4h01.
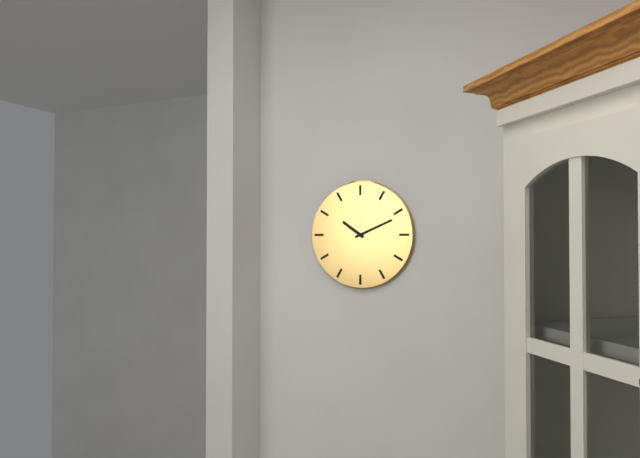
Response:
10h11
